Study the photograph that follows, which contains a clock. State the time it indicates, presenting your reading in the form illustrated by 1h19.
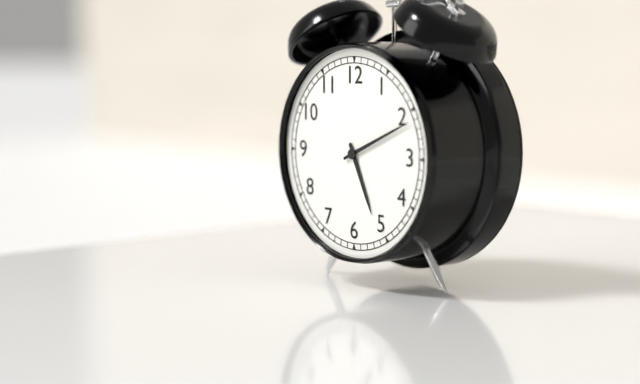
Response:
5h11
